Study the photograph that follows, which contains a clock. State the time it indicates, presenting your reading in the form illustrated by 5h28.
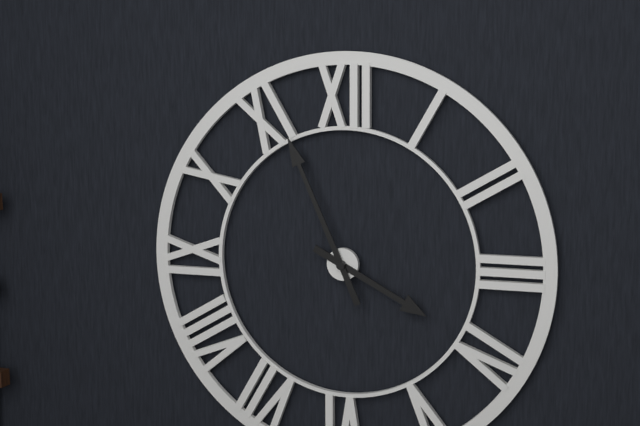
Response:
3h56
